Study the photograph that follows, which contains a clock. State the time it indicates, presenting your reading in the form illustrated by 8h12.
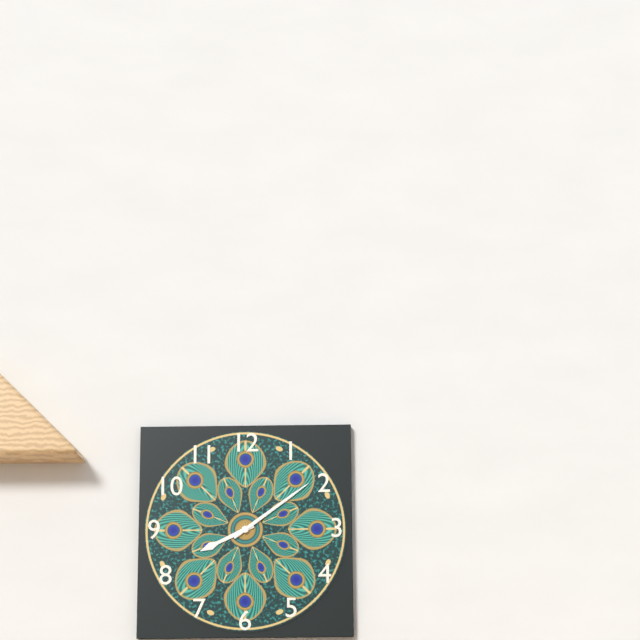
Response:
8h09
